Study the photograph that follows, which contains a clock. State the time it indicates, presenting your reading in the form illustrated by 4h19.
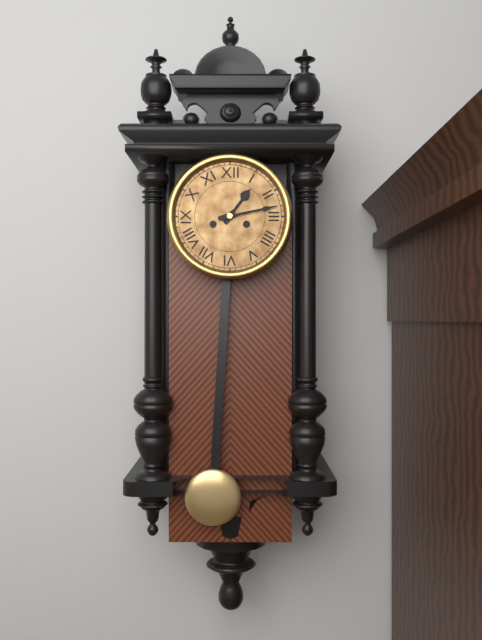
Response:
1h13
